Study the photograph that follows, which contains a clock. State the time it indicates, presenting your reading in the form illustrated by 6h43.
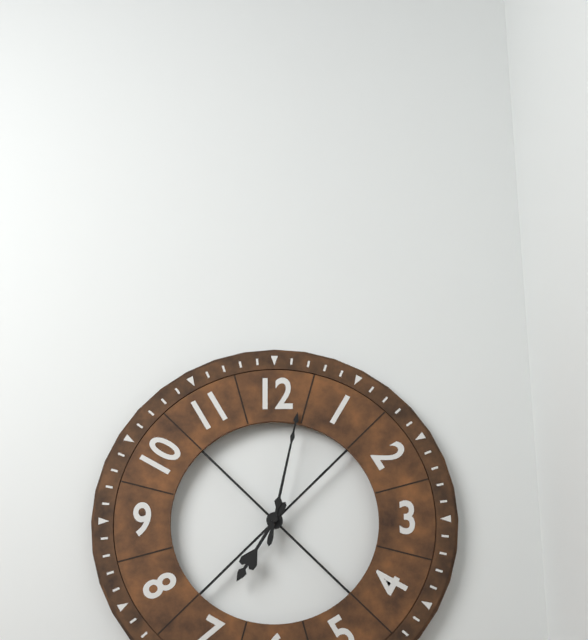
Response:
7h02
